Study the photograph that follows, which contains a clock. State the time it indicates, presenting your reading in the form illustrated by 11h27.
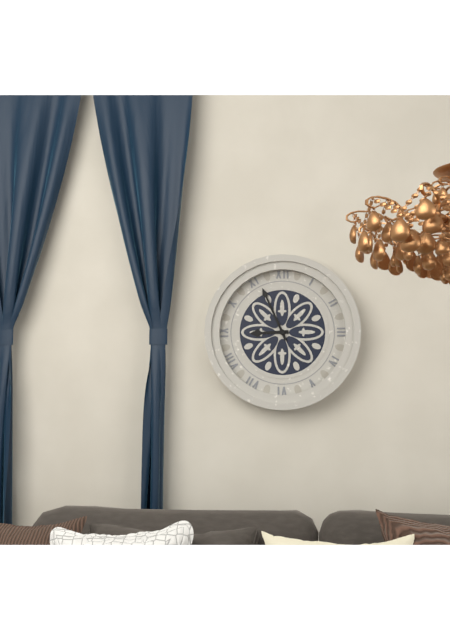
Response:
8h56
